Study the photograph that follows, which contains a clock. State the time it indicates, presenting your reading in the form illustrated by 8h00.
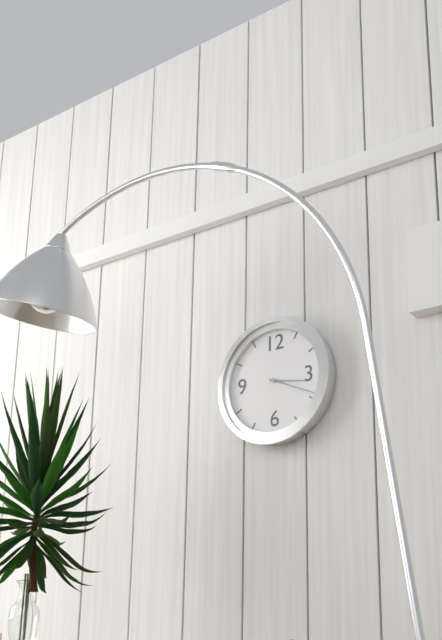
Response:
3h19
